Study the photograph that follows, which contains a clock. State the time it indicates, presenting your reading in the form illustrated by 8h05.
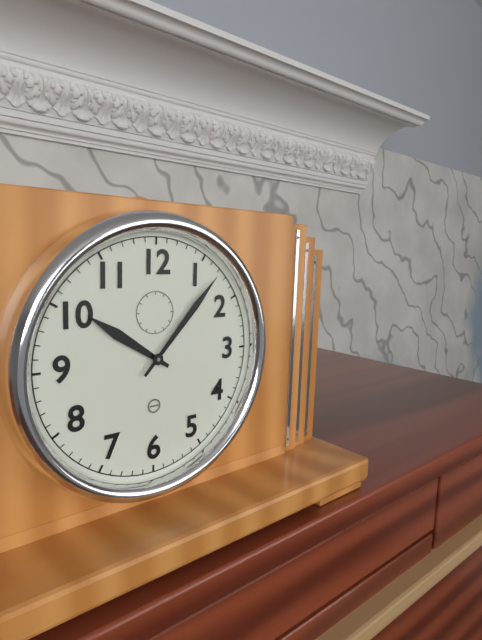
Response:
10h07
